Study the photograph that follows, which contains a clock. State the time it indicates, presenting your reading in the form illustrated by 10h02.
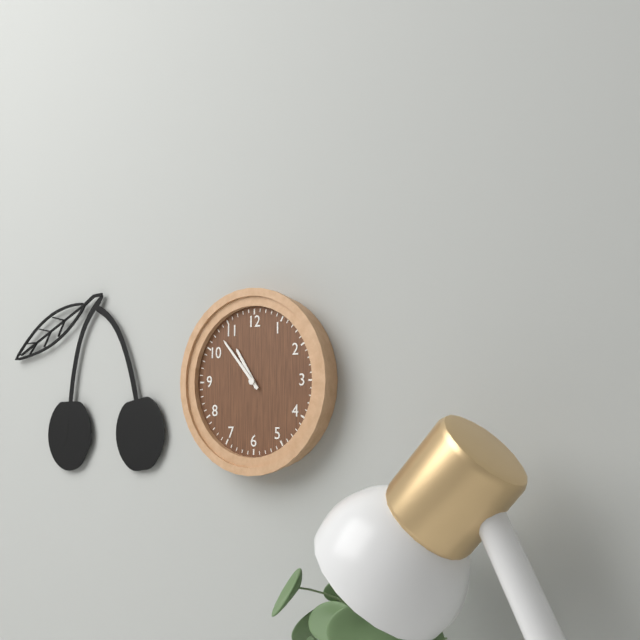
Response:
10h53
